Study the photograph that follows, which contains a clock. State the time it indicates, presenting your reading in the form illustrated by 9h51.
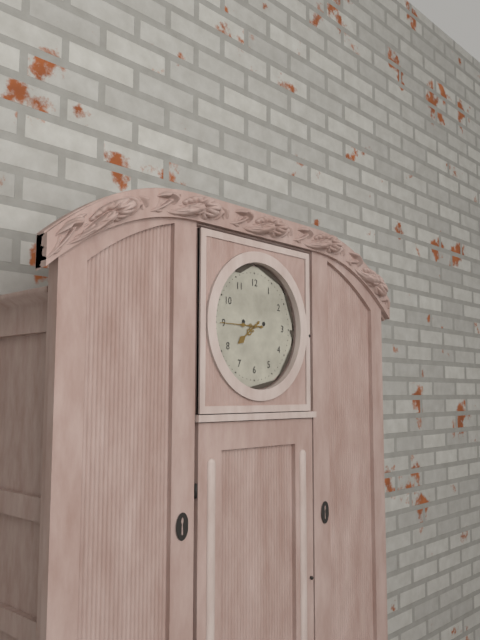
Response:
7h45
